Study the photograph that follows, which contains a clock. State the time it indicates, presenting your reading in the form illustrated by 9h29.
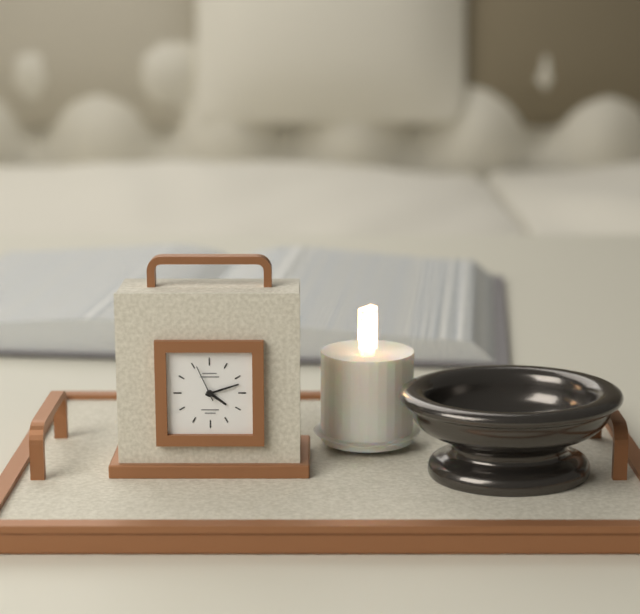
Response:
4h12
